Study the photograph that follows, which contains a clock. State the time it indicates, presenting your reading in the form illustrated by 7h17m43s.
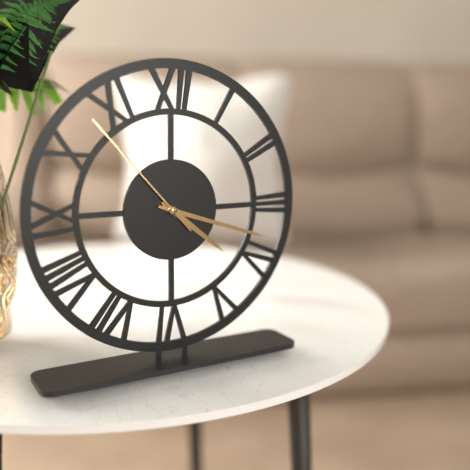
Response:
4h18m53s
